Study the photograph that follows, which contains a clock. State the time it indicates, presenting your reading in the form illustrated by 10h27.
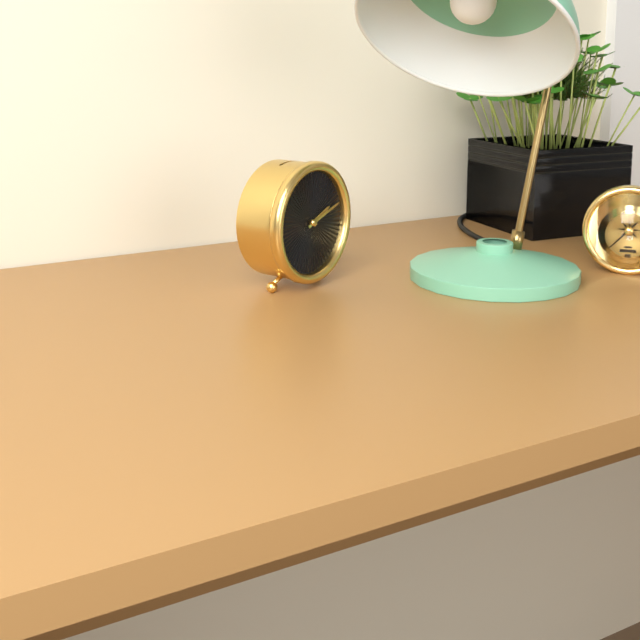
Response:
2h12
